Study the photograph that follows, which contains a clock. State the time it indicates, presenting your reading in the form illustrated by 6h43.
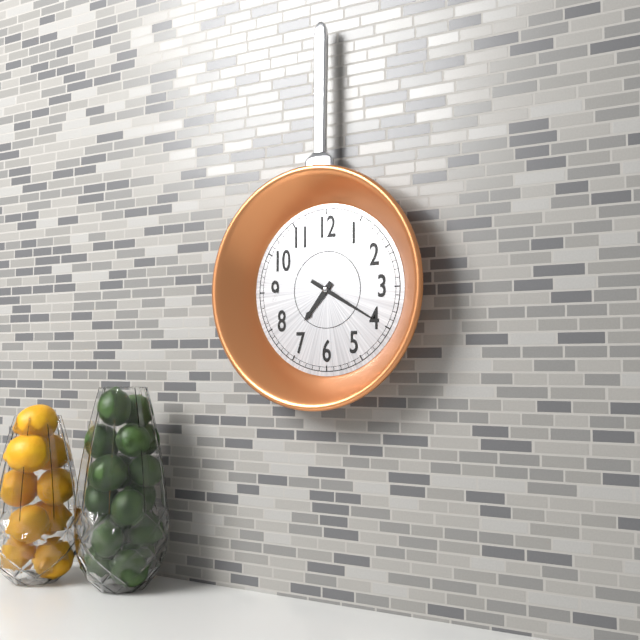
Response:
7h20
